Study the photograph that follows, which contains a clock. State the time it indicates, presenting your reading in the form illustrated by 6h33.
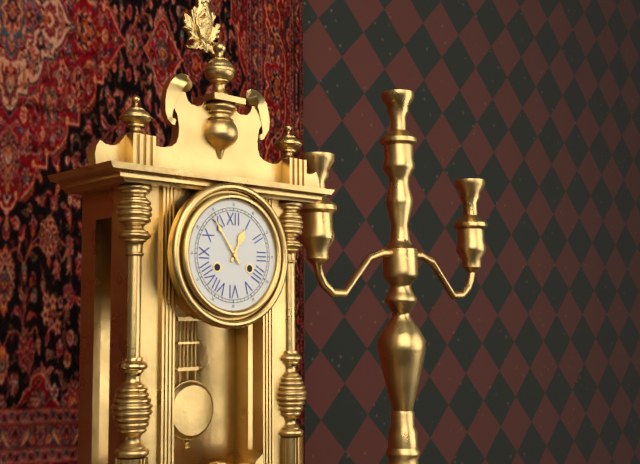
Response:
12h54
